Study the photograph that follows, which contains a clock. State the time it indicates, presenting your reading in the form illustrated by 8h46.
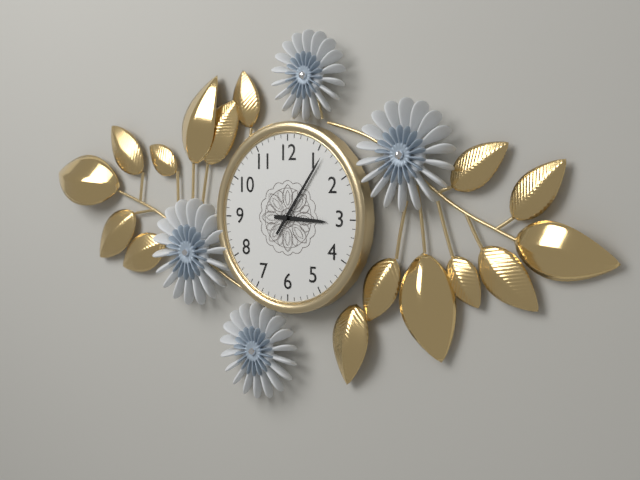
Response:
3h06
